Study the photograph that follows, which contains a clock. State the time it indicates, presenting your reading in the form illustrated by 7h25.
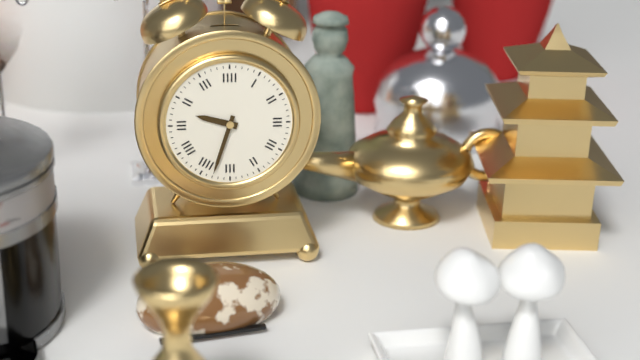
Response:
9h33
